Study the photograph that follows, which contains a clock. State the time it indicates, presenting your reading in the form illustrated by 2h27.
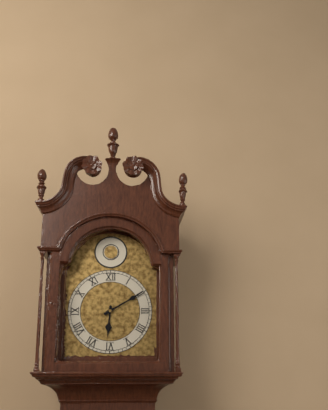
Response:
6h10
